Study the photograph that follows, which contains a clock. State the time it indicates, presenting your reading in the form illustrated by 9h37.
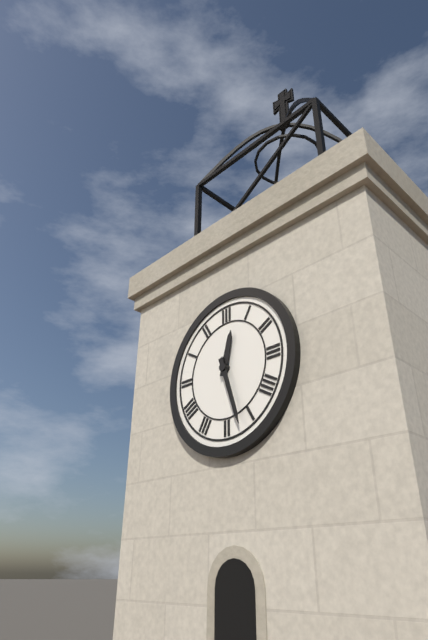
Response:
12h27
